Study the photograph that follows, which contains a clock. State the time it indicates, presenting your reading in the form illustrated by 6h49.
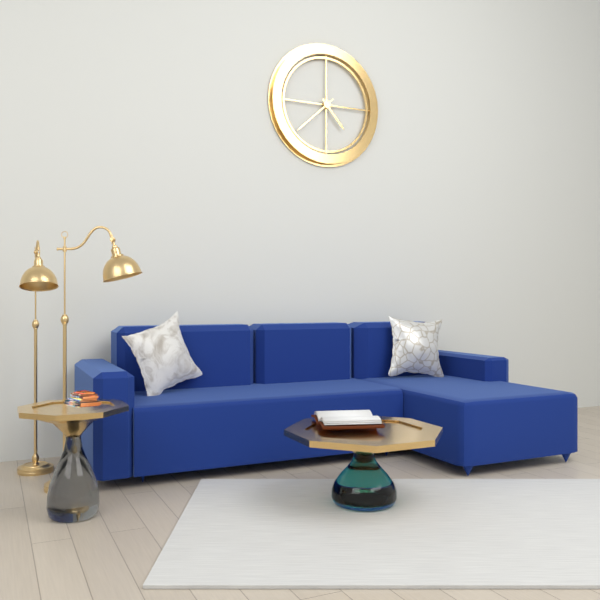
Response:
4h38
